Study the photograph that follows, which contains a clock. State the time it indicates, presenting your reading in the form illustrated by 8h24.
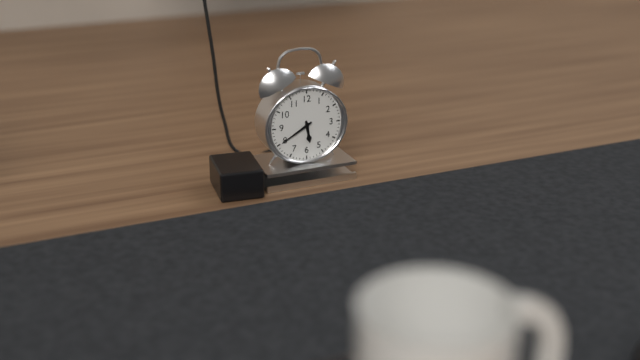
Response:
5h40
